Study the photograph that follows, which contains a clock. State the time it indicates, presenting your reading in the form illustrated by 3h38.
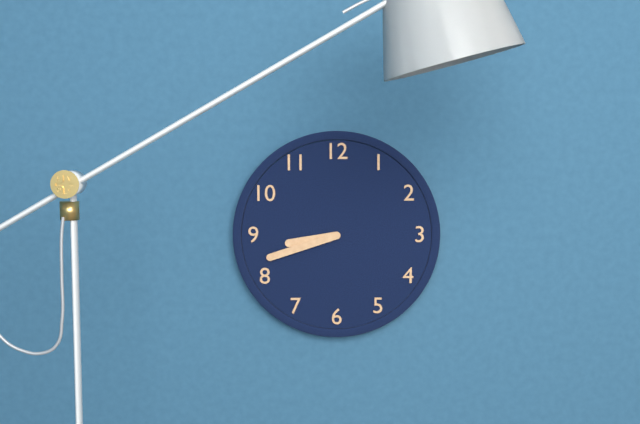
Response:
8h42
